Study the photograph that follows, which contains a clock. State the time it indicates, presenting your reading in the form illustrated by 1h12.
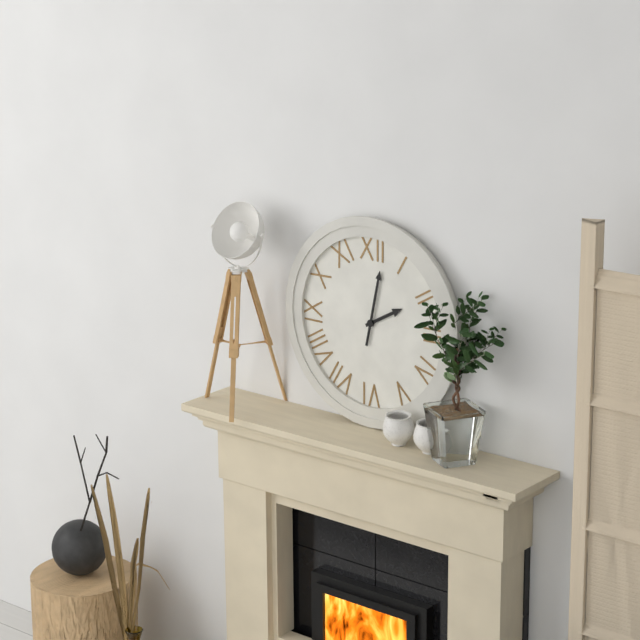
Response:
2h02
